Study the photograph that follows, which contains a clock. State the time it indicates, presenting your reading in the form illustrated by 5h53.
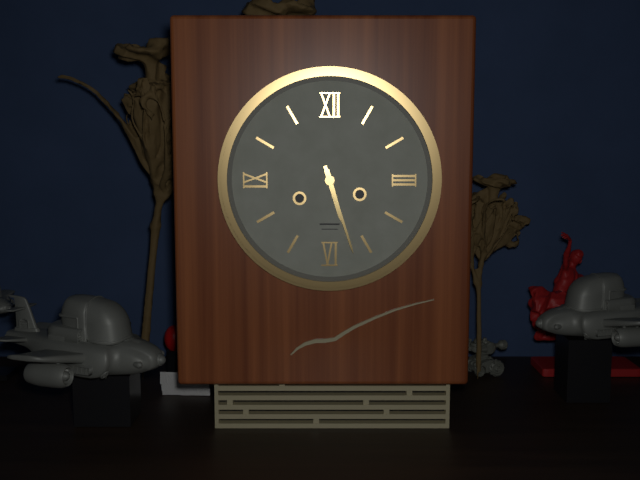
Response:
5h27
